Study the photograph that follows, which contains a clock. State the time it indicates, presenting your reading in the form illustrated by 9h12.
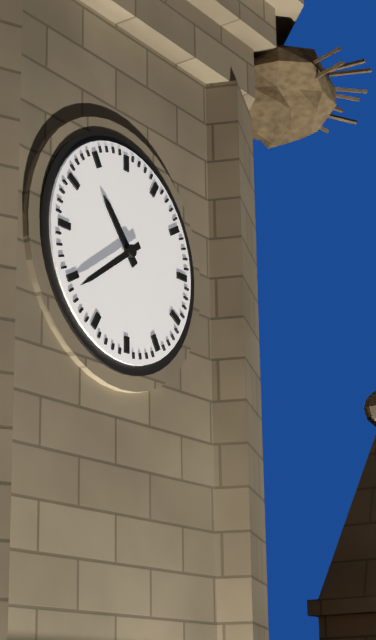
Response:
10h39
